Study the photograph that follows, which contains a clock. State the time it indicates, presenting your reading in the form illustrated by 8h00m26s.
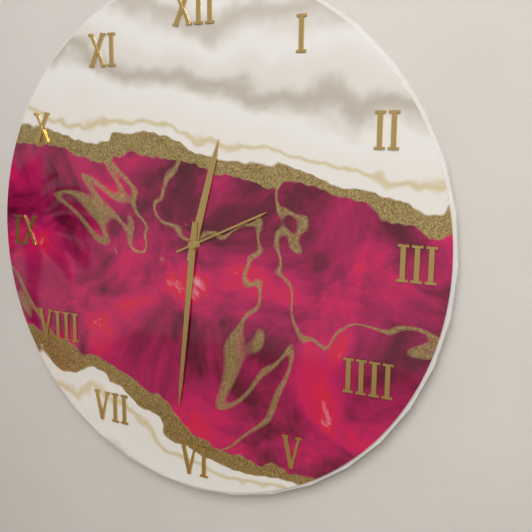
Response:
12h31m11s
